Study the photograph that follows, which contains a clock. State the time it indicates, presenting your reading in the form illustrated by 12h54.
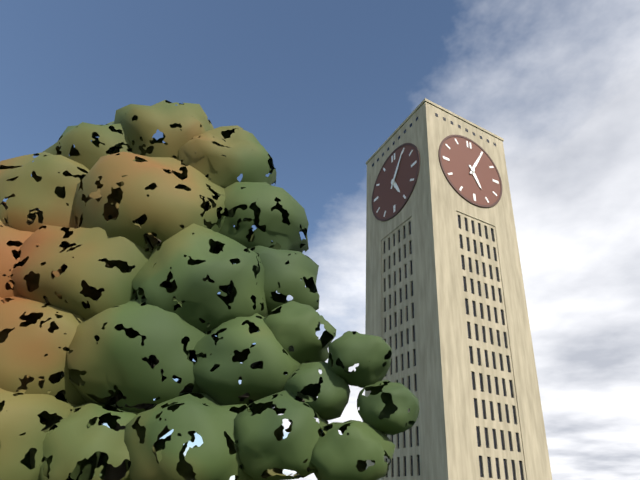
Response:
5h05
